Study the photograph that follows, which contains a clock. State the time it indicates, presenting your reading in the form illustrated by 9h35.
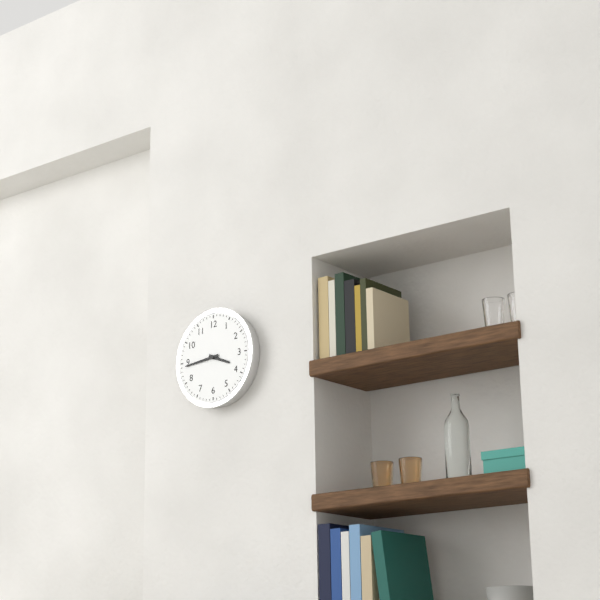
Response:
3h44
